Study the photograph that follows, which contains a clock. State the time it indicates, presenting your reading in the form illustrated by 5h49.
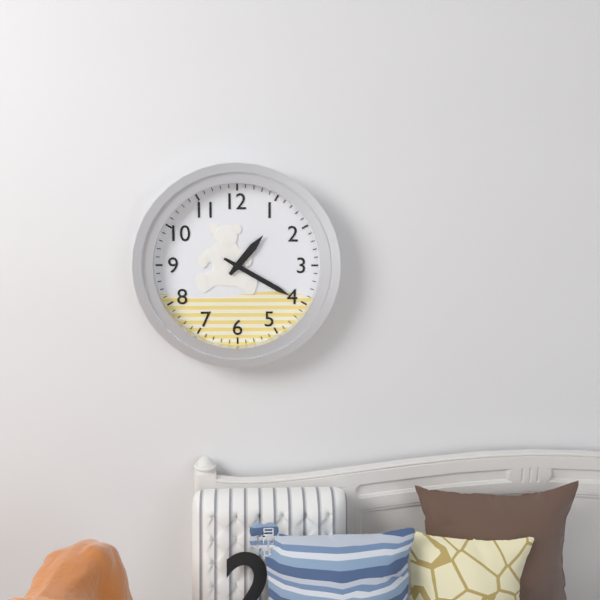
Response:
1h20
